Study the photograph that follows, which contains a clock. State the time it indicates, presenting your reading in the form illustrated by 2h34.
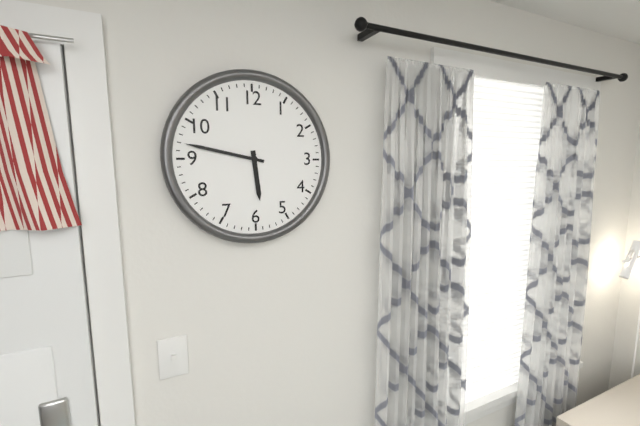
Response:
5h47
